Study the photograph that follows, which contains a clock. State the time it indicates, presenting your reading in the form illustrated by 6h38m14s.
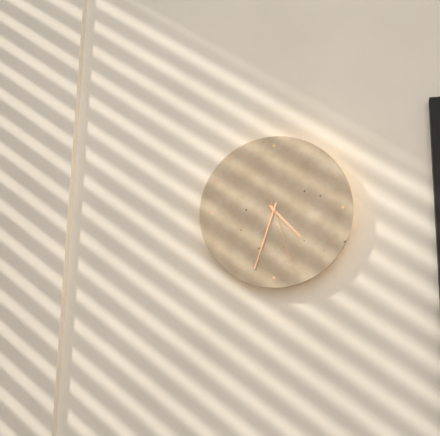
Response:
4h33m27s
